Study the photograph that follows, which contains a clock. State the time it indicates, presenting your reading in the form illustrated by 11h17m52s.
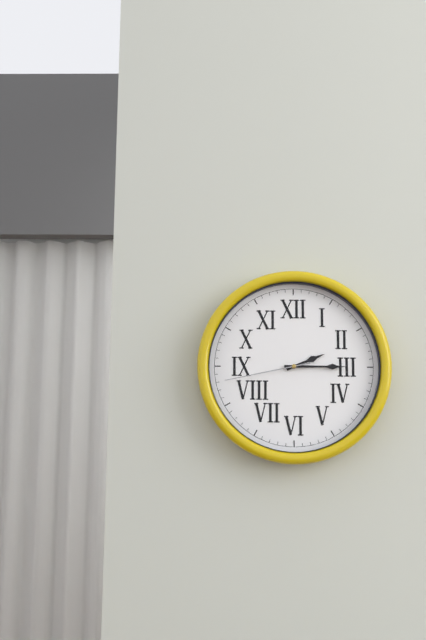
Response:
2h15m43s
